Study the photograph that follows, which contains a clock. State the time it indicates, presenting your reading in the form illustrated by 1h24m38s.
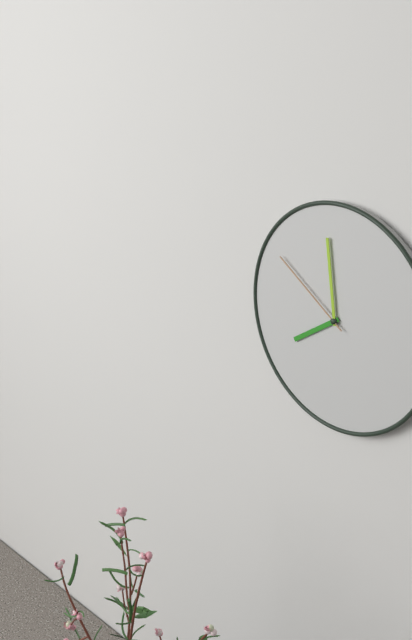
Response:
7h59m51s
